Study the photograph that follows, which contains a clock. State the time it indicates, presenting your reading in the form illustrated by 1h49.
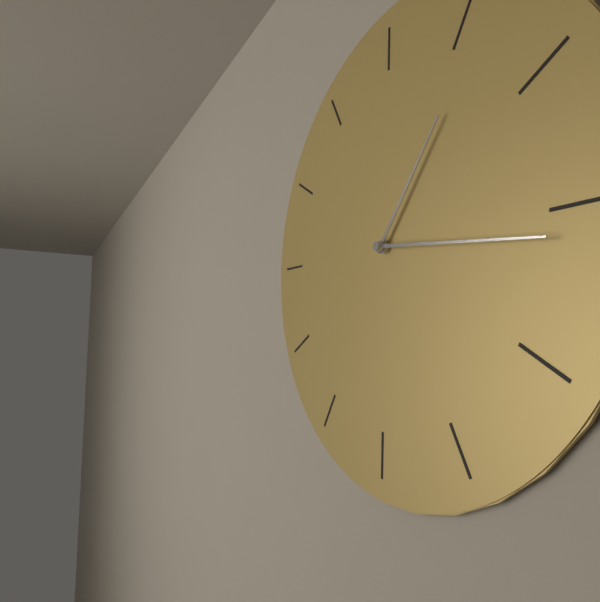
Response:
1h16
